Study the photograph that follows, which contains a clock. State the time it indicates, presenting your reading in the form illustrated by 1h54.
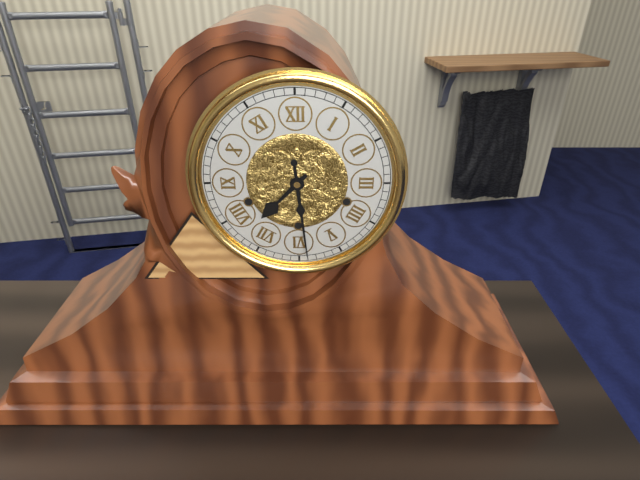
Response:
7h29
